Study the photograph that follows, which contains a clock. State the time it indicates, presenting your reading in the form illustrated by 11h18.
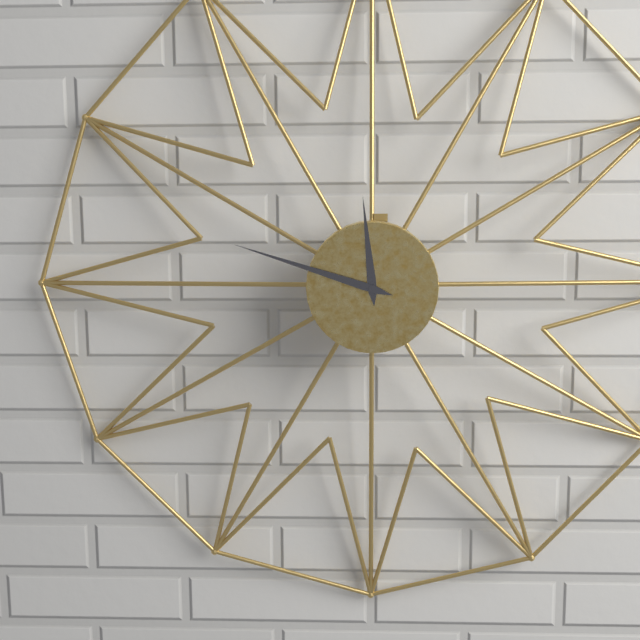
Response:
11h48
